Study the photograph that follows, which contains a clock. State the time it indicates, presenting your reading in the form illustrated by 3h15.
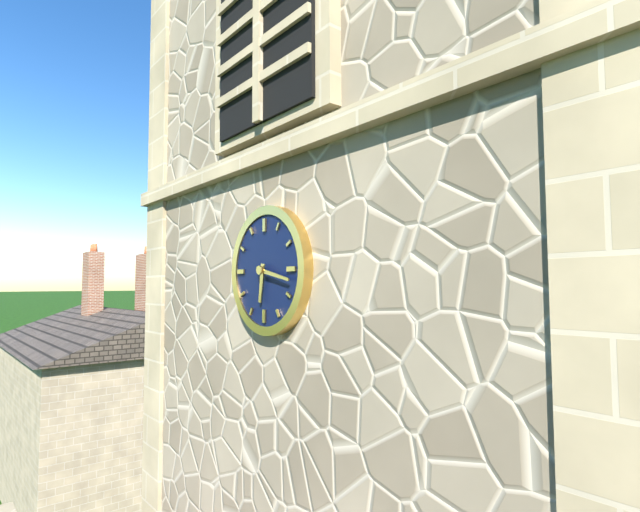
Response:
6h17
